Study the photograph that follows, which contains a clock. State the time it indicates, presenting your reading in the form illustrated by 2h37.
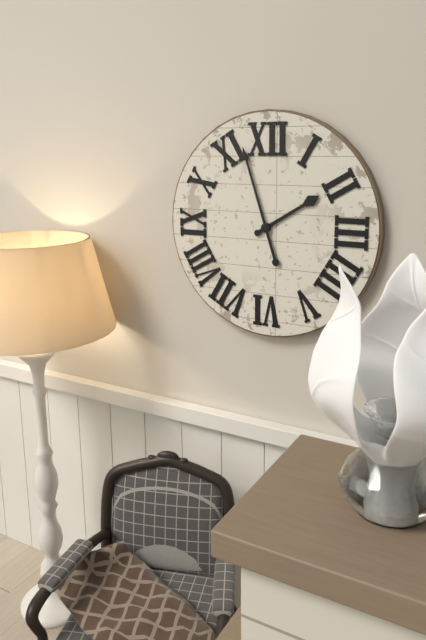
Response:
1h57
